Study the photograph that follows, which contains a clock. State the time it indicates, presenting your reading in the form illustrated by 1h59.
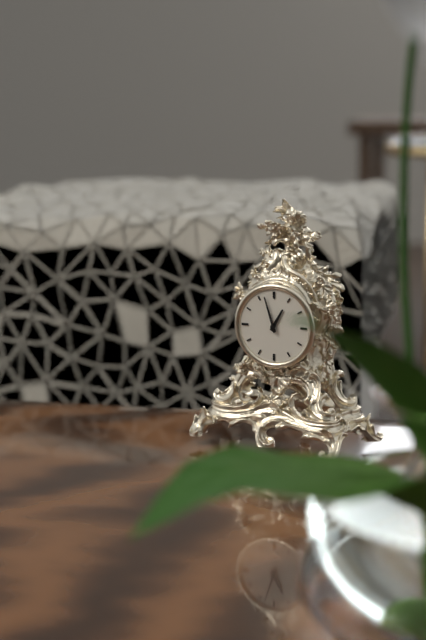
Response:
12h57
